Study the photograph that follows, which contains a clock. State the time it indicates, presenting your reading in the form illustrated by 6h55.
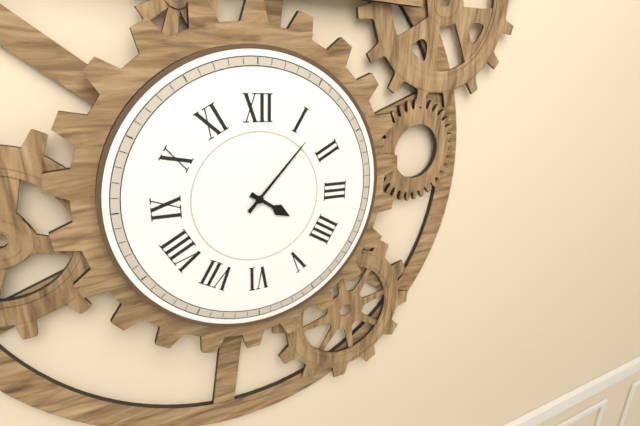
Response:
4h07
